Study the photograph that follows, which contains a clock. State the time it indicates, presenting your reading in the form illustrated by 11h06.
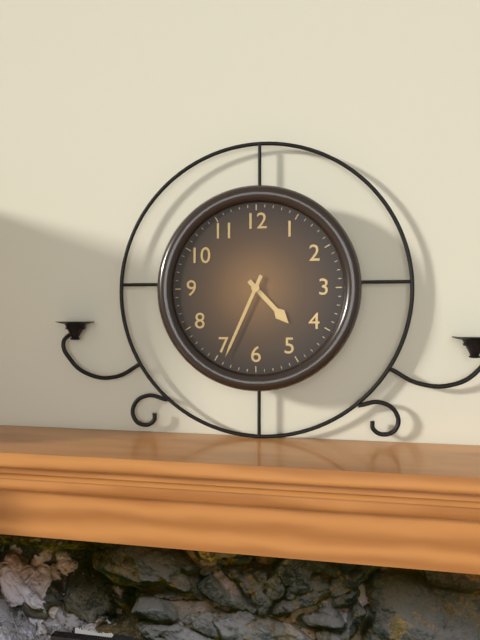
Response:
4h34
